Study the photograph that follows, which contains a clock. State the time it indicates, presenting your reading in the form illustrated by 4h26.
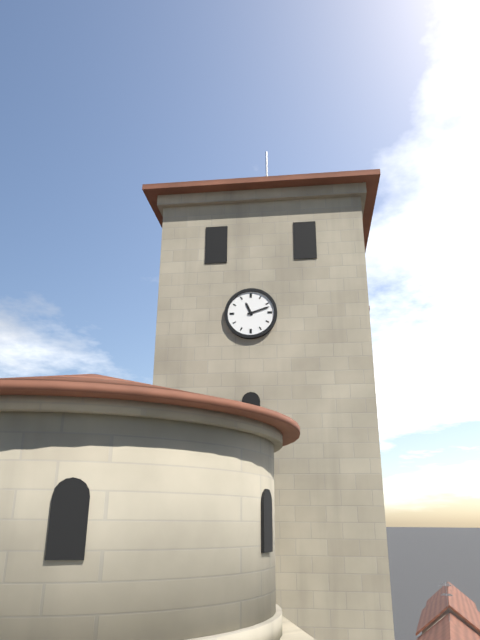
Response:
11h12
